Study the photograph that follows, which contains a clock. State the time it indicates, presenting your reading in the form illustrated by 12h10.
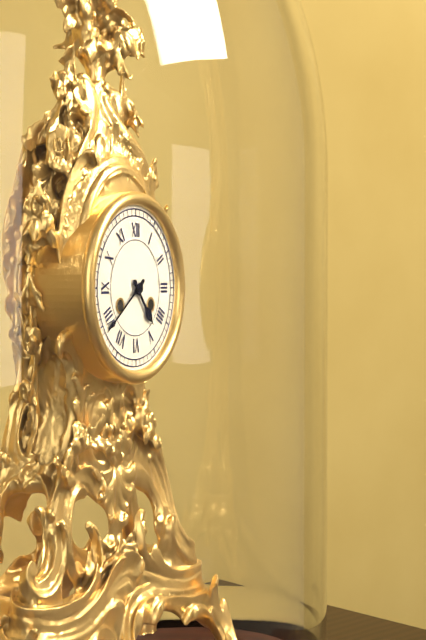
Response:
4h39
